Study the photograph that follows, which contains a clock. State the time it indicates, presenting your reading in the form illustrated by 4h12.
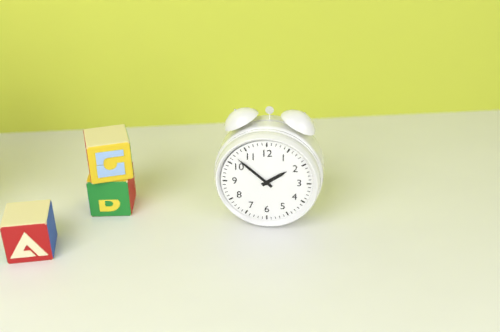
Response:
1h52
